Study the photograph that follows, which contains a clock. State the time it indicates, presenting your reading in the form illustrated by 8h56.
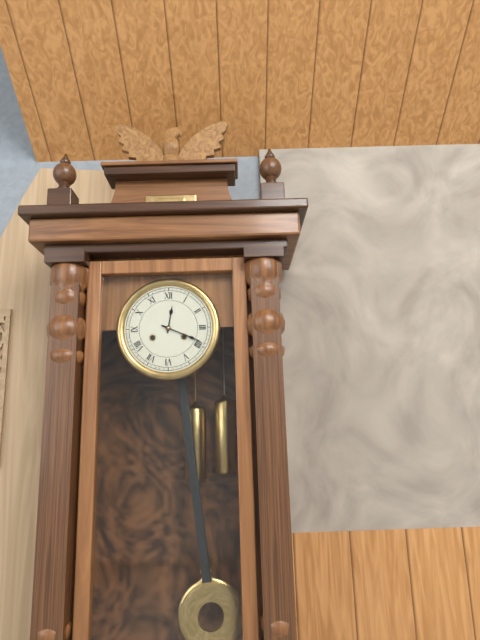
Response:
12h19
